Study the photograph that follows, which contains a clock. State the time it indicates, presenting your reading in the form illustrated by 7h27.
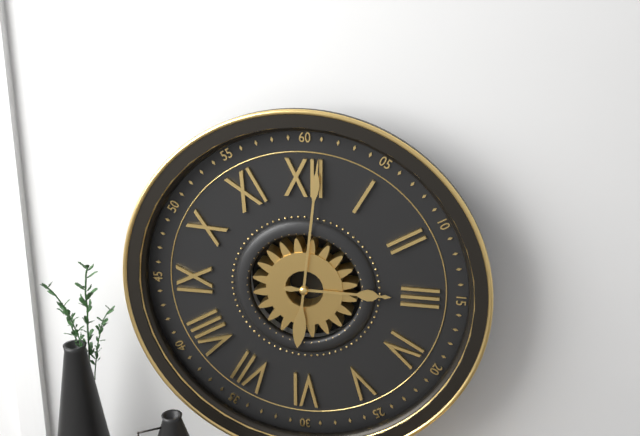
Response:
3h01
